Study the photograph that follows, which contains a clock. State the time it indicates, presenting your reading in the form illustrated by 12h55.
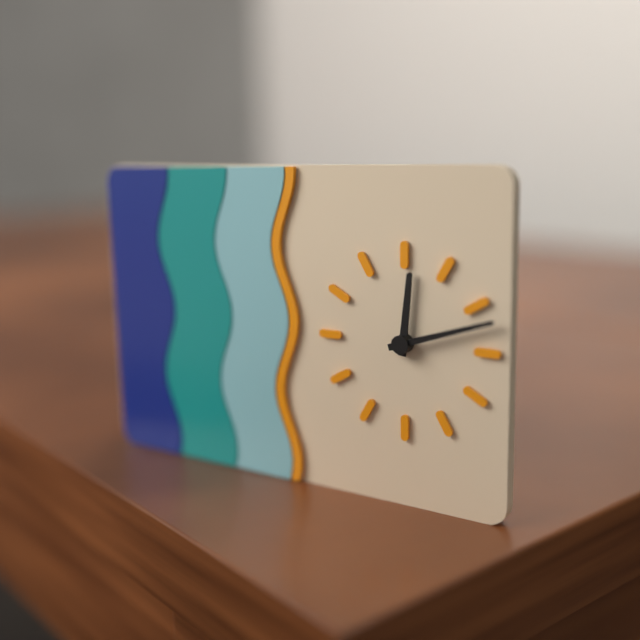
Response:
12h12
